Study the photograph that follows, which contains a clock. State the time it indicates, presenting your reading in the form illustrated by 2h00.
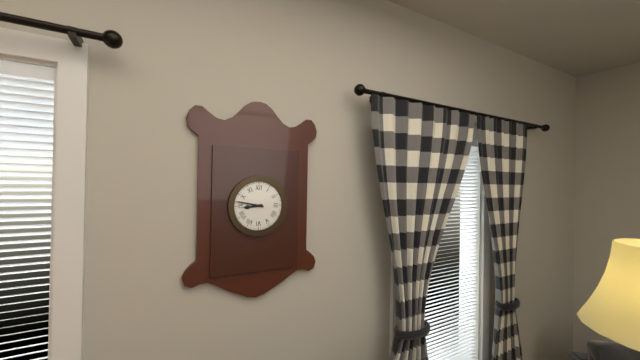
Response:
8h47
